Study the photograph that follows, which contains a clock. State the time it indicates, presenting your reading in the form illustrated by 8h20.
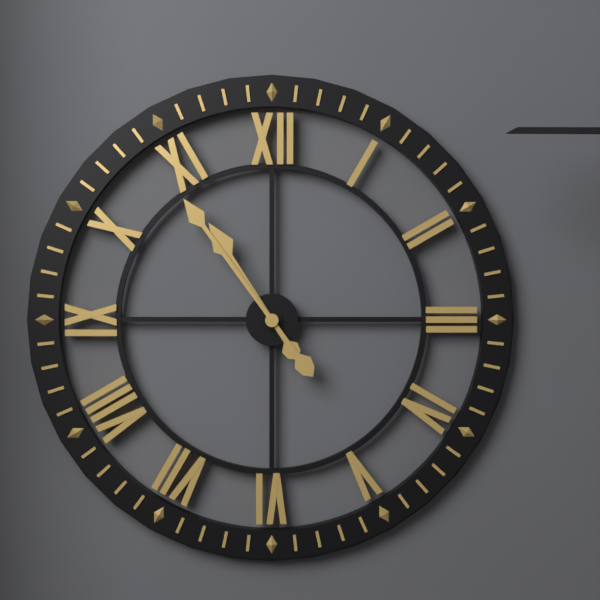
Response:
10h54
